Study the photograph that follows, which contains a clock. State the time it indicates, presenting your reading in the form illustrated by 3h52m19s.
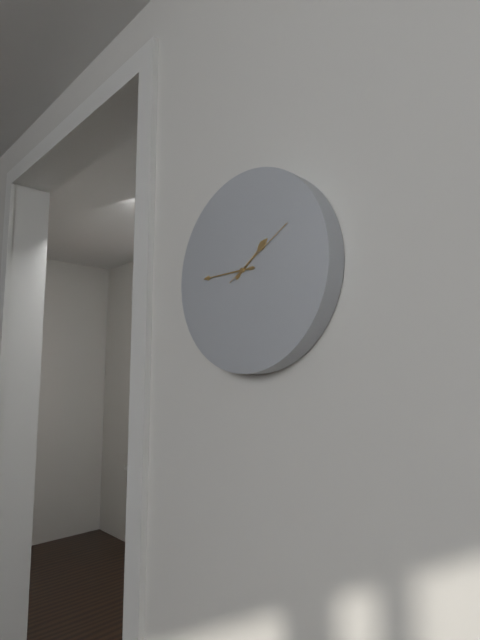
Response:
1h45m10s
